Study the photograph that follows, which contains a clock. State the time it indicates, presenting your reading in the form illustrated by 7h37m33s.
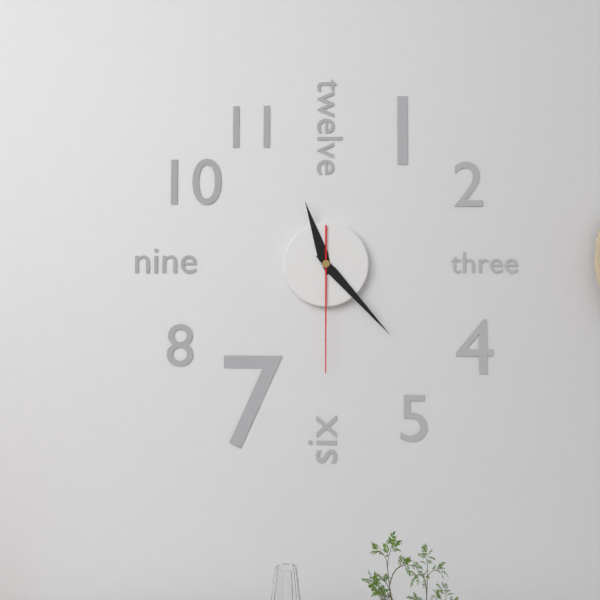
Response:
11h23m30s
